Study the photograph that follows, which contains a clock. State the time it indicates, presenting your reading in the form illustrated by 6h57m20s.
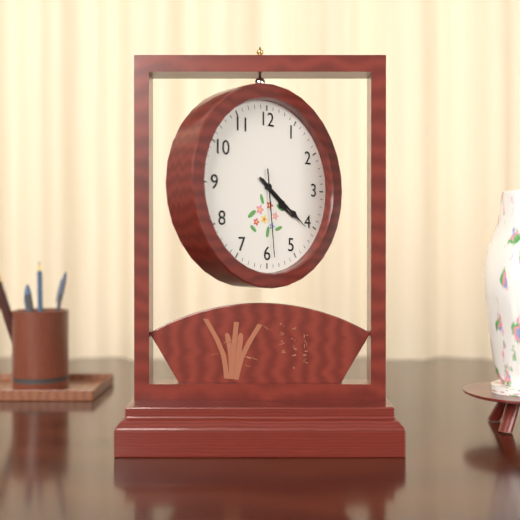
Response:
4h21m29s
